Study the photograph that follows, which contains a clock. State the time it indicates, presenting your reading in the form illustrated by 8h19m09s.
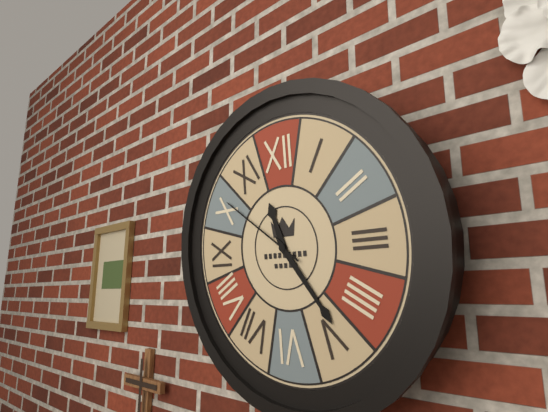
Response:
11h24m51s
